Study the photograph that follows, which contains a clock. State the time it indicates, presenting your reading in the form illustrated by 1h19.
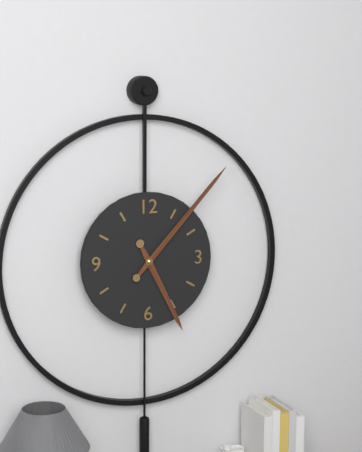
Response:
5h07
